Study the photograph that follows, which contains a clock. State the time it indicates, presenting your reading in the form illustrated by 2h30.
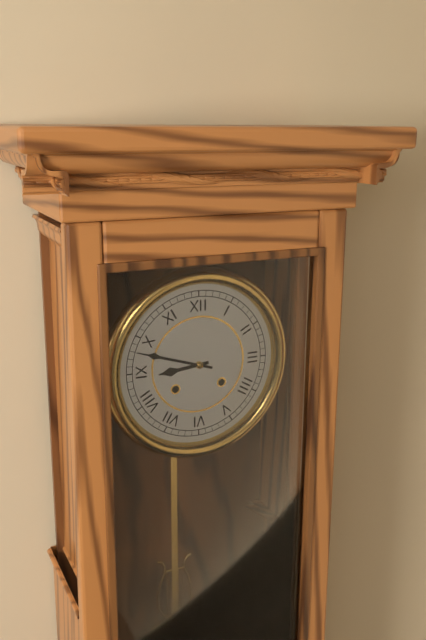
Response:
8h48
